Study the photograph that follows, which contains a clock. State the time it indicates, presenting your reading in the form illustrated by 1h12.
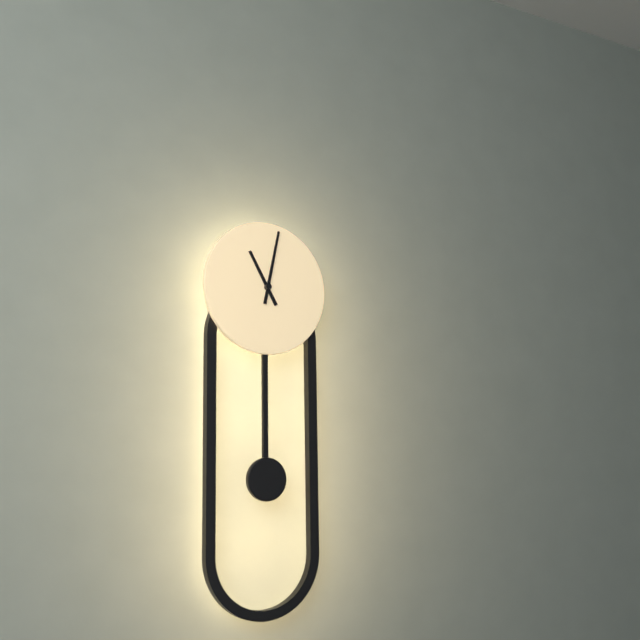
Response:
11h02
